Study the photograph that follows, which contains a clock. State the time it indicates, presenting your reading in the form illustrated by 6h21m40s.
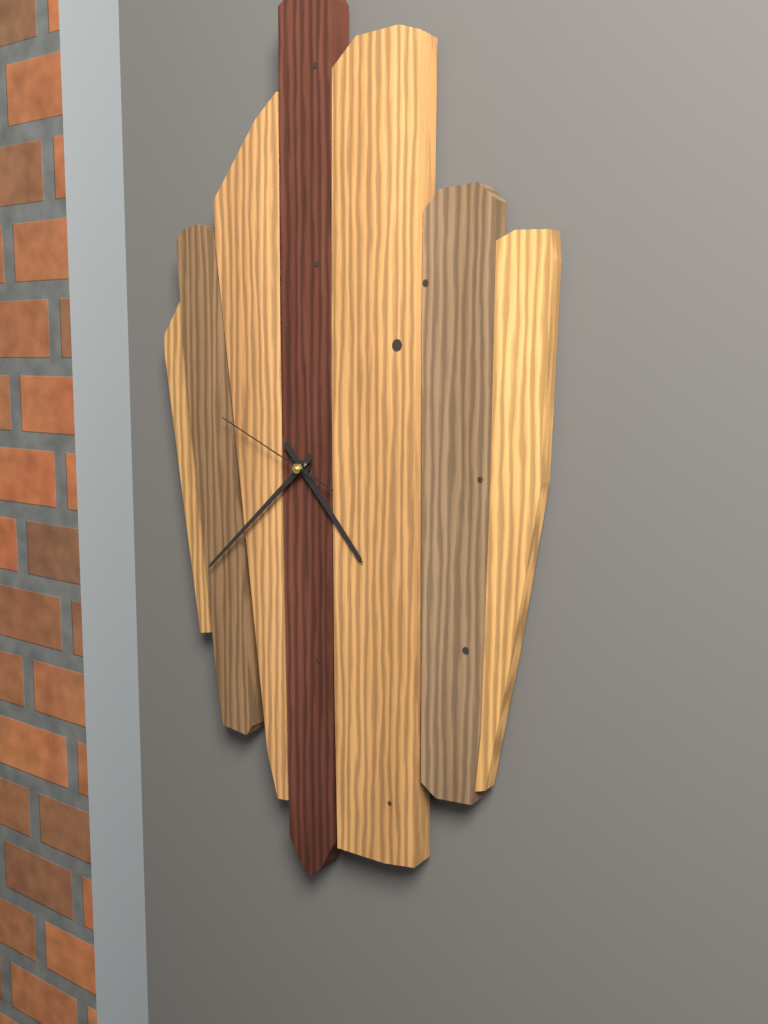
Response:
4h38m49s
